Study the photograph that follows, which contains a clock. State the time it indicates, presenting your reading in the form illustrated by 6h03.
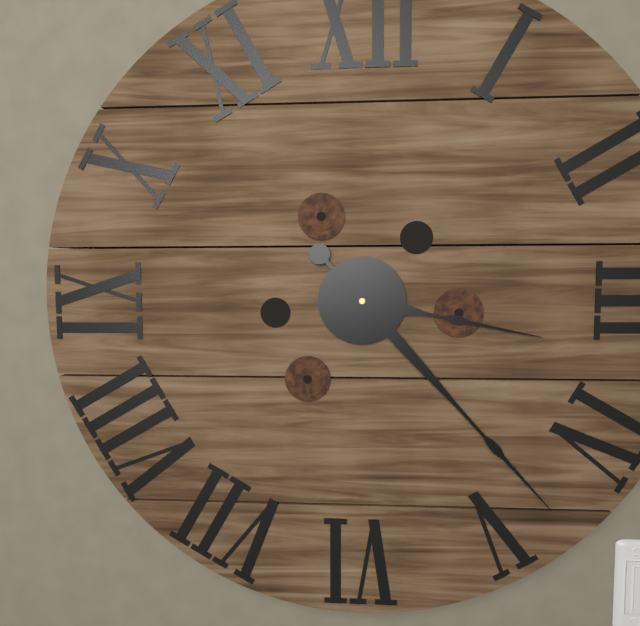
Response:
3h23
